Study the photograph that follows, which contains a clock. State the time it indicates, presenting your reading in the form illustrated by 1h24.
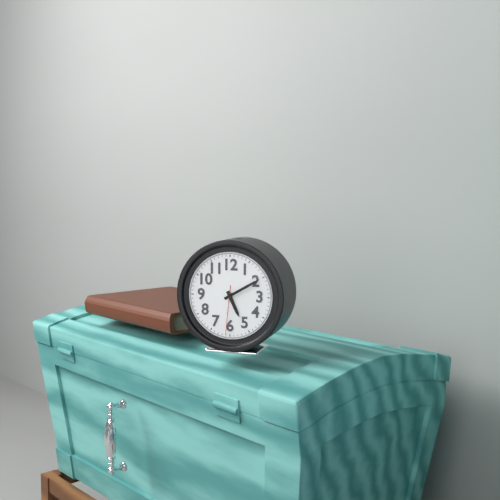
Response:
5h10
